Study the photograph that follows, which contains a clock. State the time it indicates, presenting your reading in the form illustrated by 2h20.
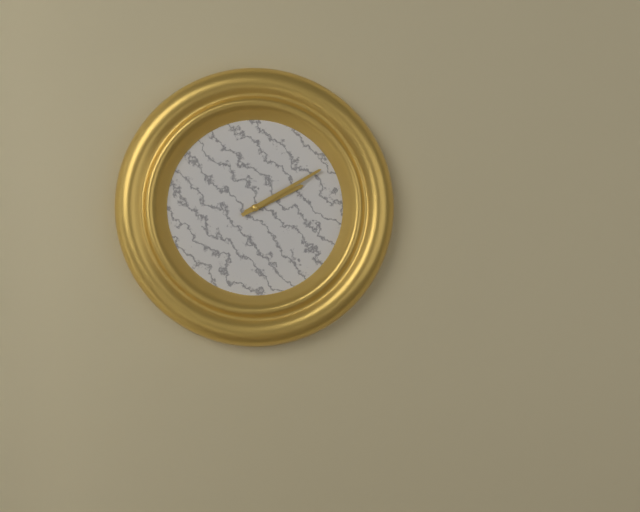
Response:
2h10
